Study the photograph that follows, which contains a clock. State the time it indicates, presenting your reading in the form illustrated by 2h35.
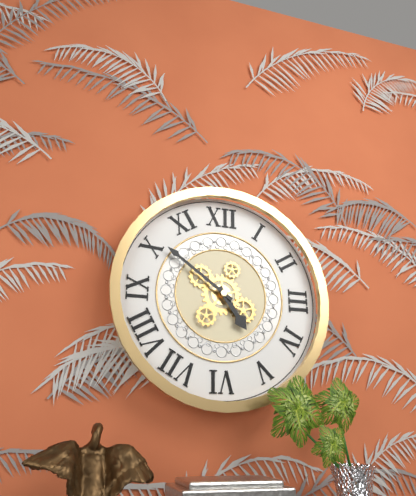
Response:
4h51
